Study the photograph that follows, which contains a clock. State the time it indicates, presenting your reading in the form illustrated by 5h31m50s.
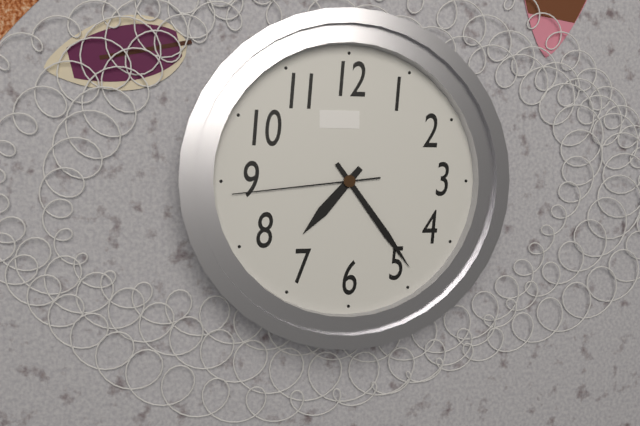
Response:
7h24m44s
